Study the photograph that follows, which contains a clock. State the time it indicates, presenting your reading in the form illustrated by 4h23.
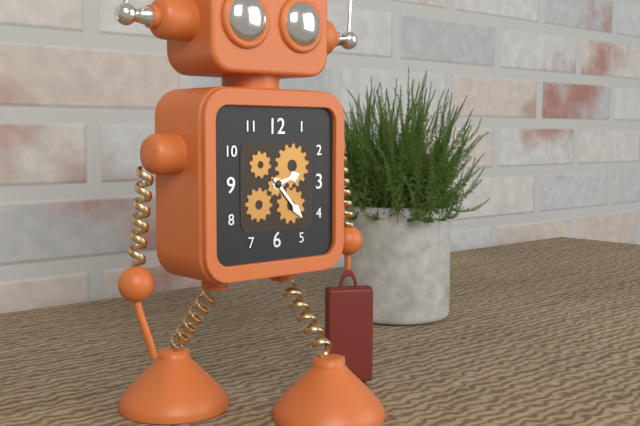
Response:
2h23
